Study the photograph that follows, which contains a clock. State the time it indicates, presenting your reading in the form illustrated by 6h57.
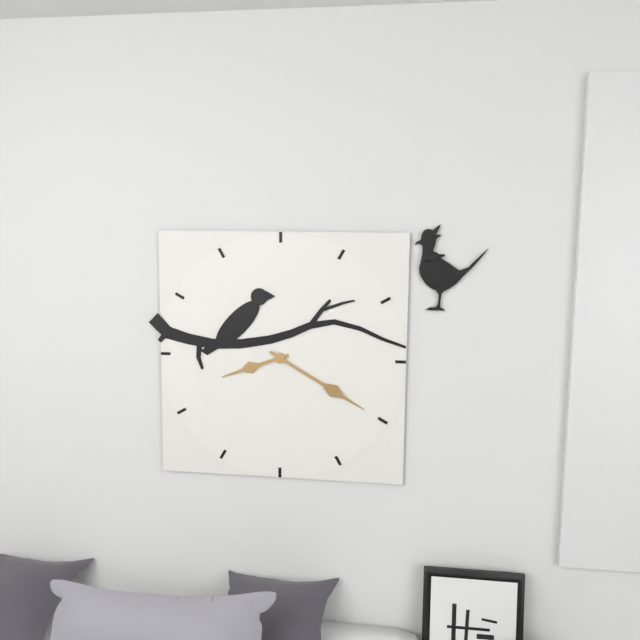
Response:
8h20
